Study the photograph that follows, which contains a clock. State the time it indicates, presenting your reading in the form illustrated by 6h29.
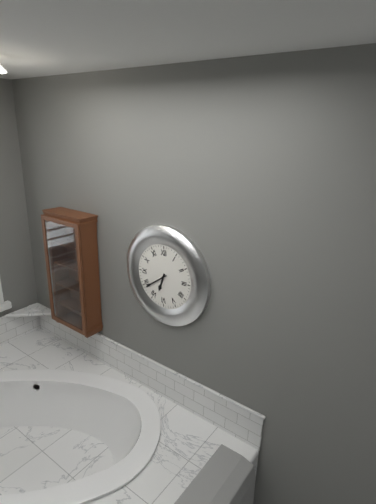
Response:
6h39
